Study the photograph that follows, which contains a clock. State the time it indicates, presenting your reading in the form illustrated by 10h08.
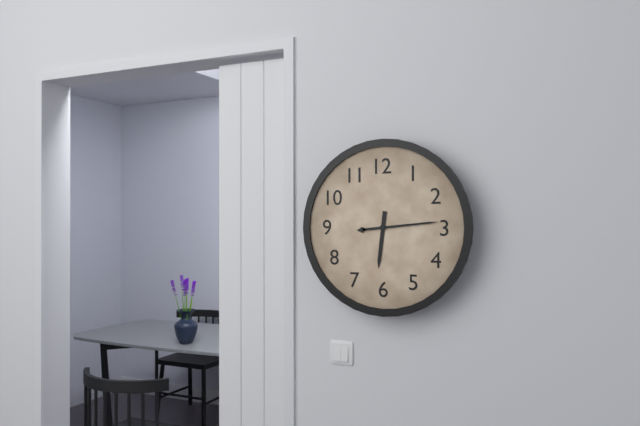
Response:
6h14
